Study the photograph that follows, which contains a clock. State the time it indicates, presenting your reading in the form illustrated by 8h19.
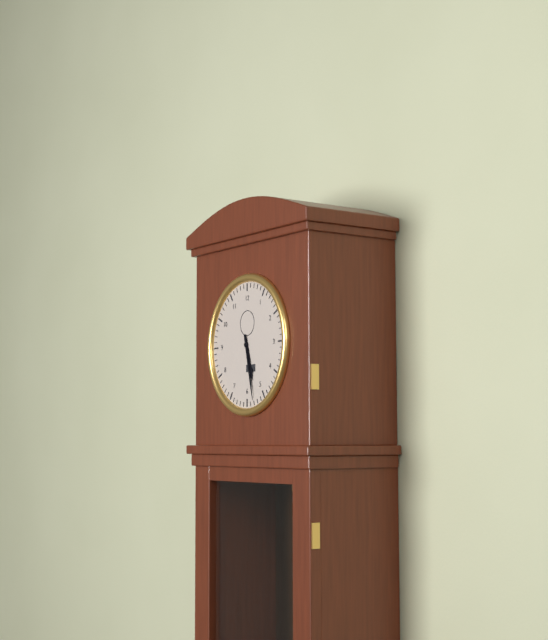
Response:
5h28
